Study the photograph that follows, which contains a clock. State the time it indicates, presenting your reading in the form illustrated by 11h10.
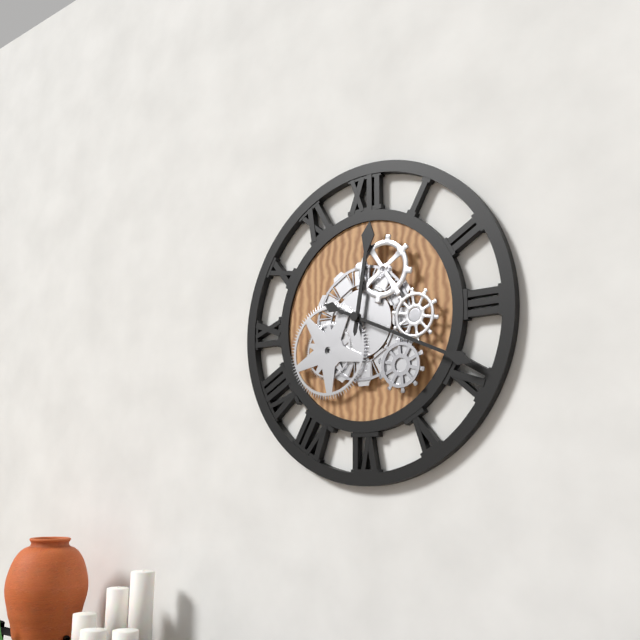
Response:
12h19
